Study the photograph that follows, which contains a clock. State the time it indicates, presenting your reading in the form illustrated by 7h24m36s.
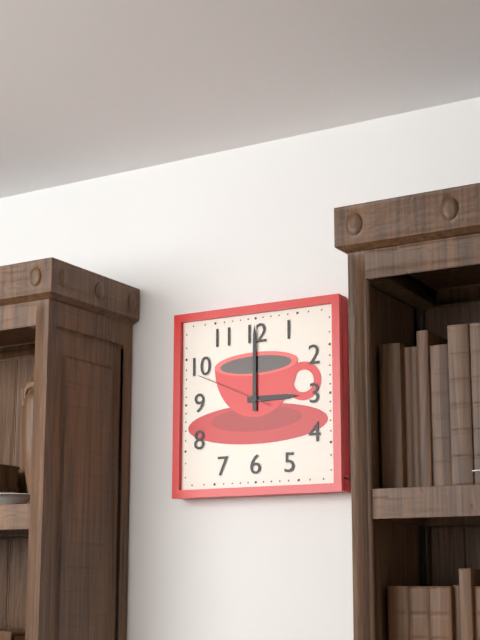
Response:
3h00m49s
